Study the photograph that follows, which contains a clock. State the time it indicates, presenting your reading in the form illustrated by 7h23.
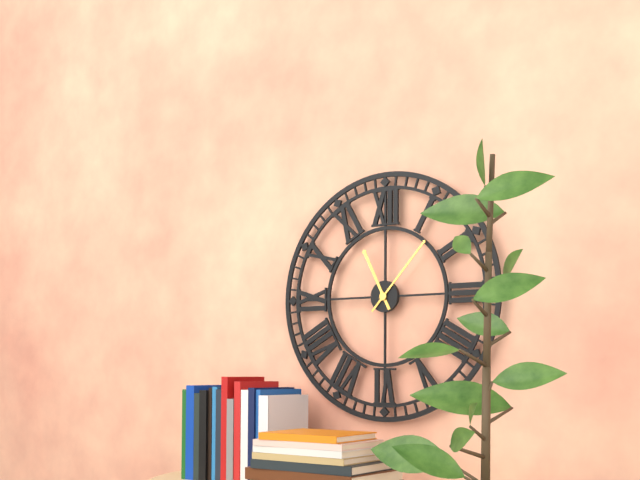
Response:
11h07
